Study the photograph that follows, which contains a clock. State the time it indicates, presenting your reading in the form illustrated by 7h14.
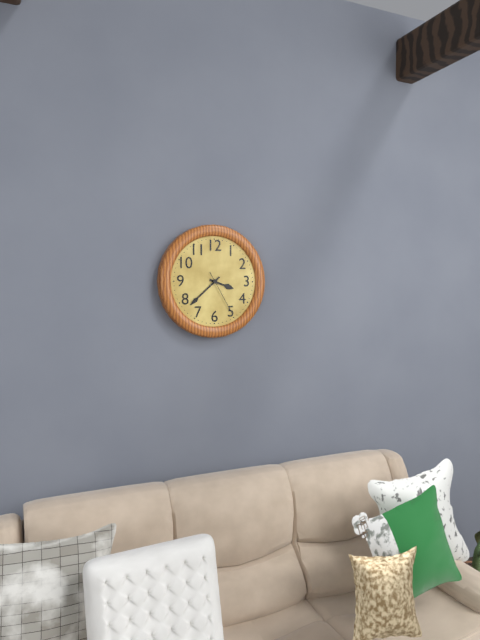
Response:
3h38
